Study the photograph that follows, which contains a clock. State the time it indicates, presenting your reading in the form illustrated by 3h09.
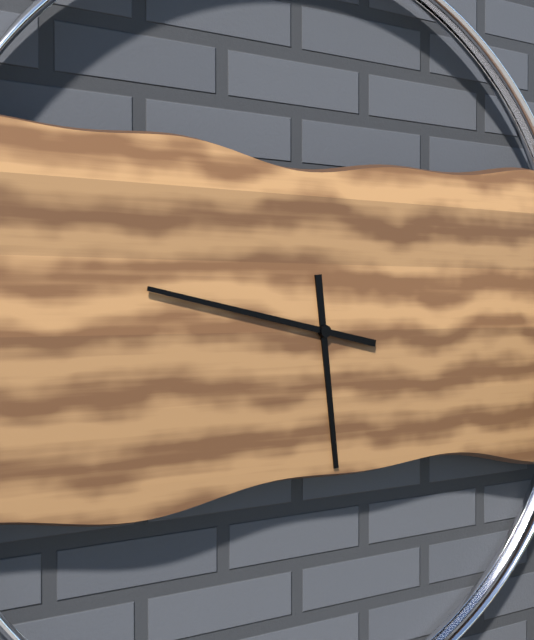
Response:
5h47
